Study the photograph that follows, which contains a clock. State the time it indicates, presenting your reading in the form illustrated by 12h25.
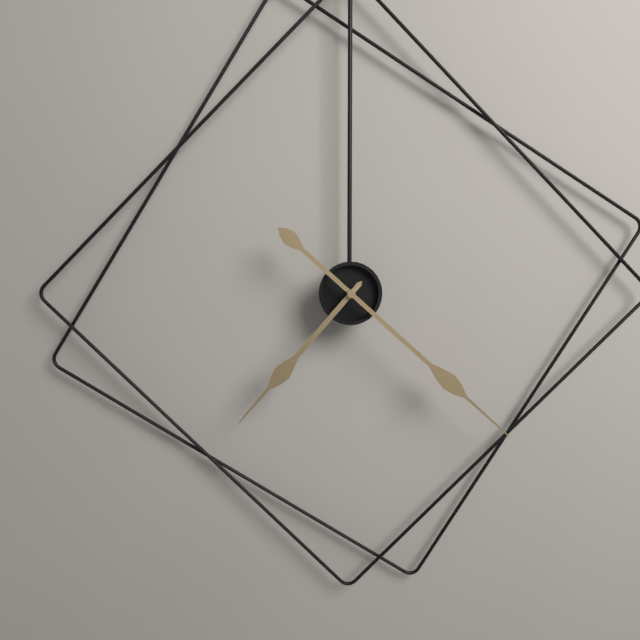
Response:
7h22
